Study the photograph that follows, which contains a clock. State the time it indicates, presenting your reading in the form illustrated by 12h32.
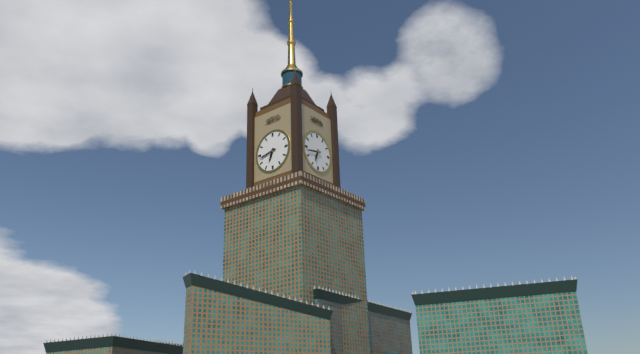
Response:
6h43
